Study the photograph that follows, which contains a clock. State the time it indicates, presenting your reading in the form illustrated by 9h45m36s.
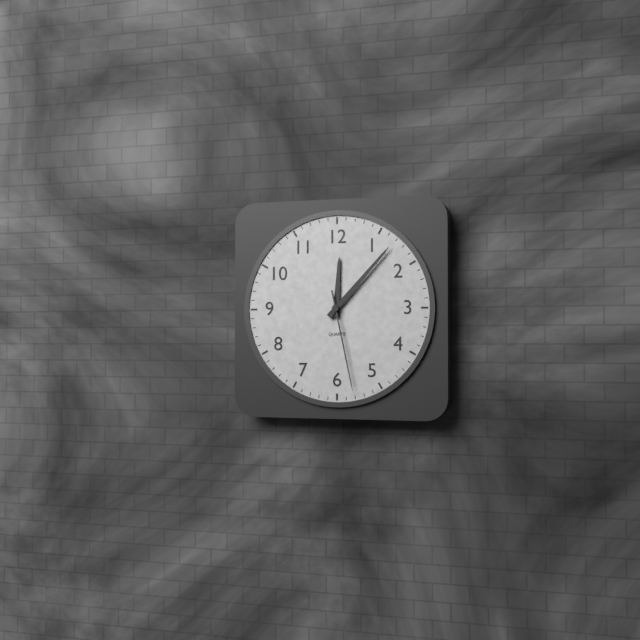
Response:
12h07m28s
